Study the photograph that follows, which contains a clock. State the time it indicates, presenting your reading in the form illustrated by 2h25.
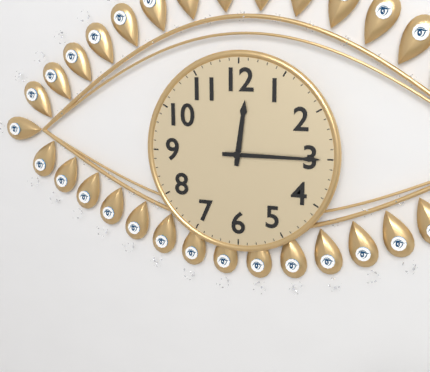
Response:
12h15
